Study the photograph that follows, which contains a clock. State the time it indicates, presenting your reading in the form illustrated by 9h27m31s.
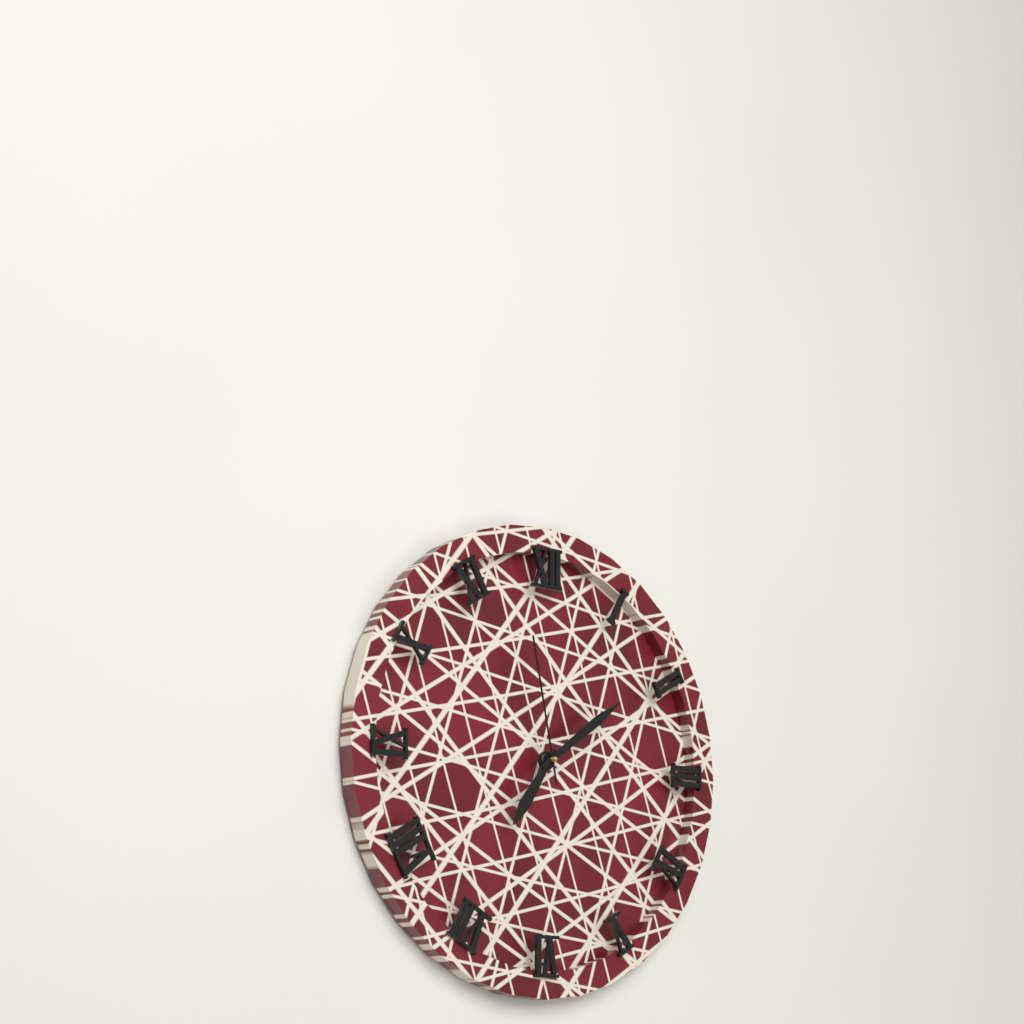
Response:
7h09m58s
